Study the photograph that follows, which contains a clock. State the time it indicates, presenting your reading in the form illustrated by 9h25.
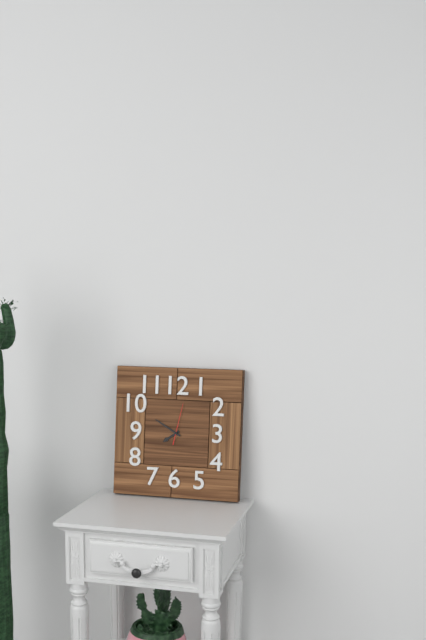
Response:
7h50
